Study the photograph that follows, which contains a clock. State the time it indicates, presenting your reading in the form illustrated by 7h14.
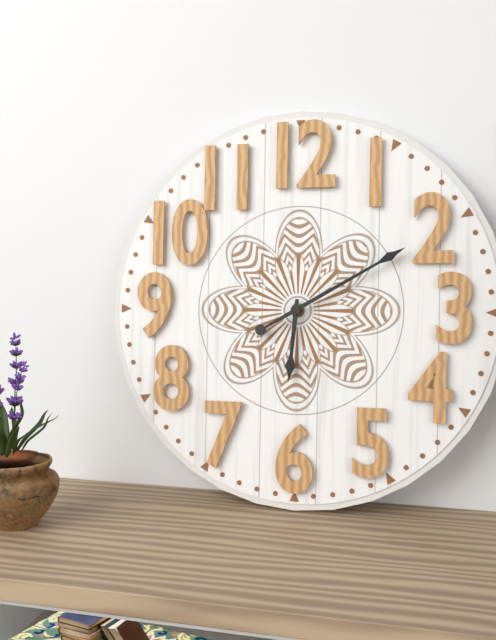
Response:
6h10
